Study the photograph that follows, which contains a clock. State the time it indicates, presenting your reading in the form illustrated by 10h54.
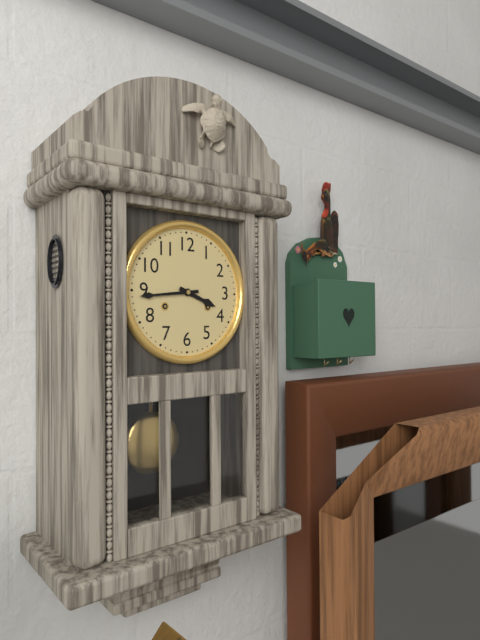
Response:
3h44
